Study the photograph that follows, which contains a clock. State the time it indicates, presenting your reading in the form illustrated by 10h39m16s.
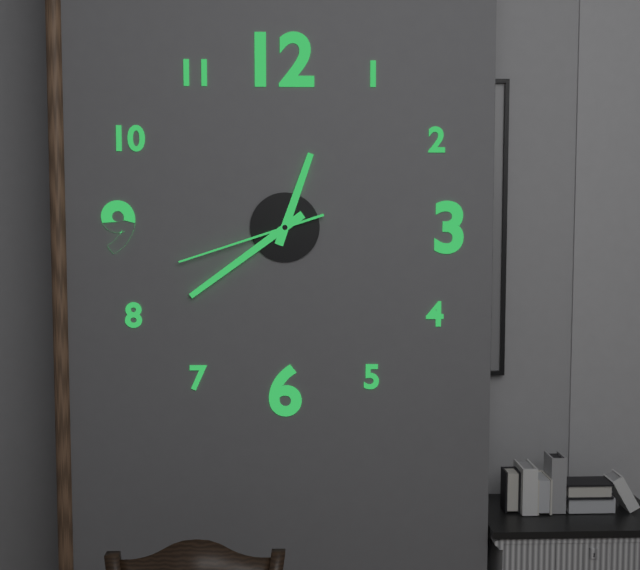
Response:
12h39m42s
